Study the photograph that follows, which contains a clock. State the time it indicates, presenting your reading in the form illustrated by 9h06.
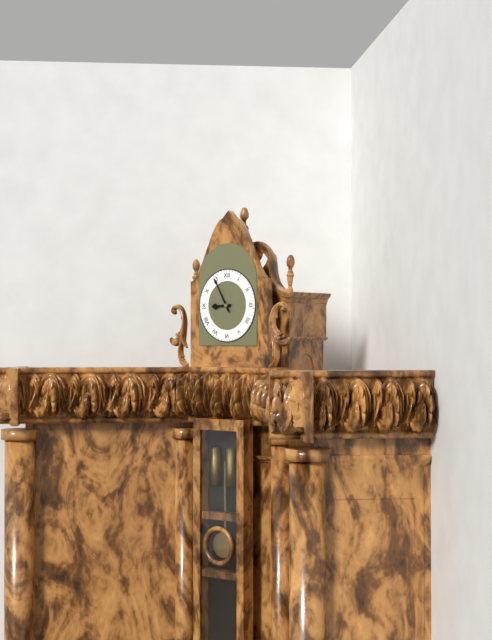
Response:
8h55
